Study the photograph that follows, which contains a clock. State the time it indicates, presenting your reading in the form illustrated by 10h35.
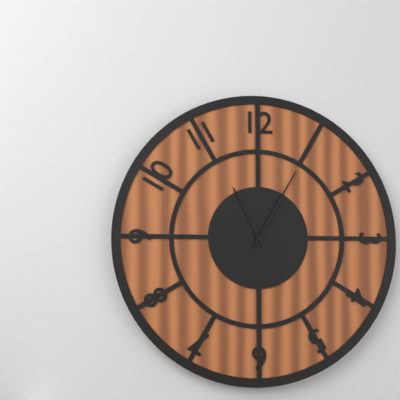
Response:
11h05
